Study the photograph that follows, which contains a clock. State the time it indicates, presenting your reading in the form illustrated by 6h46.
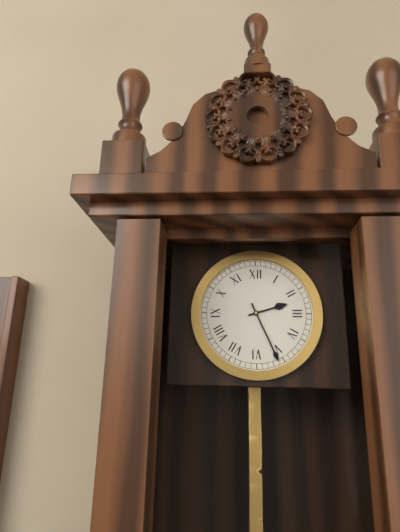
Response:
2h26
